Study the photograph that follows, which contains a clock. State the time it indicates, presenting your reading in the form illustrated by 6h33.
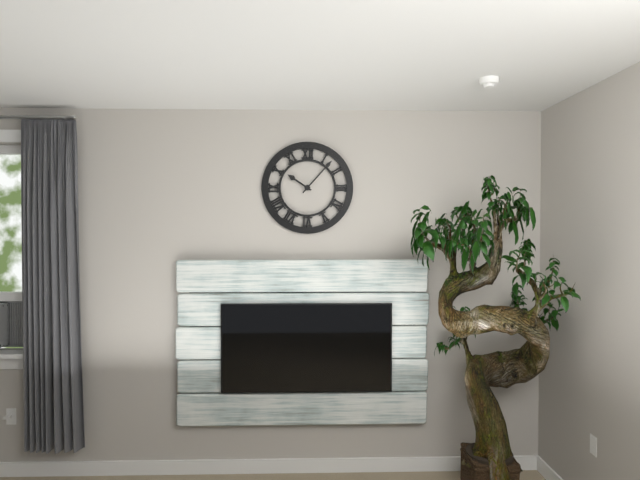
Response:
10h07
